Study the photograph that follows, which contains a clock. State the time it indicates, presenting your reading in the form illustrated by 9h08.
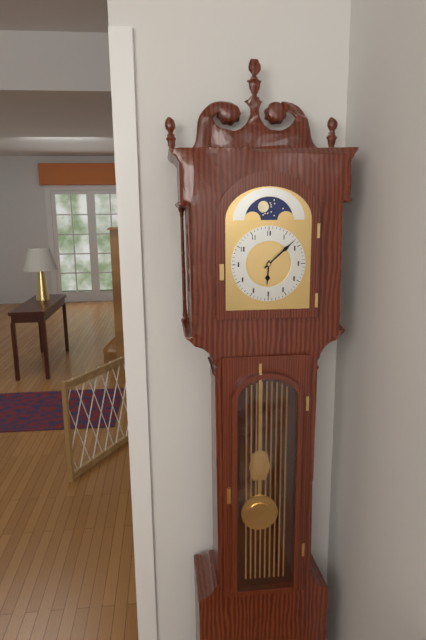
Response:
6h08
